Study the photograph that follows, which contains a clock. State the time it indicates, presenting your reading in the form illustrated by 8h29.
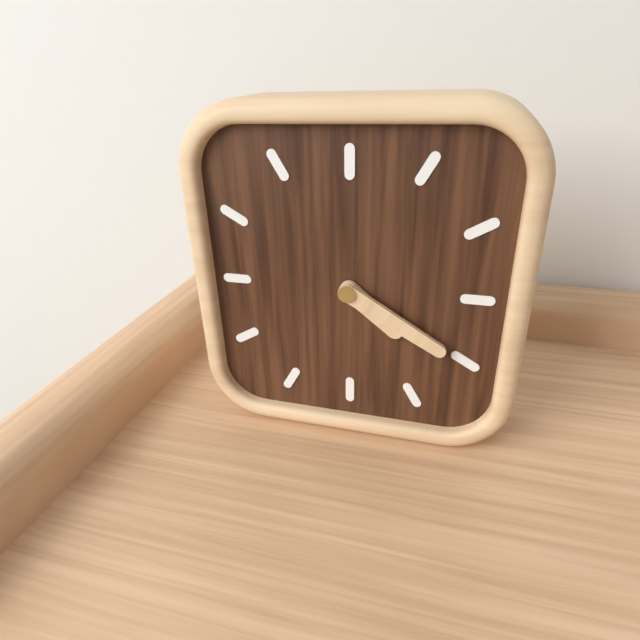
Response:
4h20
